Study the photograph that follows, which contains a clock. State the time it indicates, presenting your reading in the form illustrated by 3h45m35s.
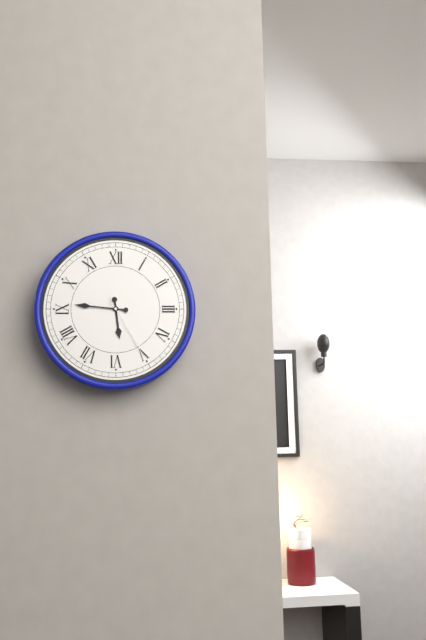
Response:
5h46m25s
